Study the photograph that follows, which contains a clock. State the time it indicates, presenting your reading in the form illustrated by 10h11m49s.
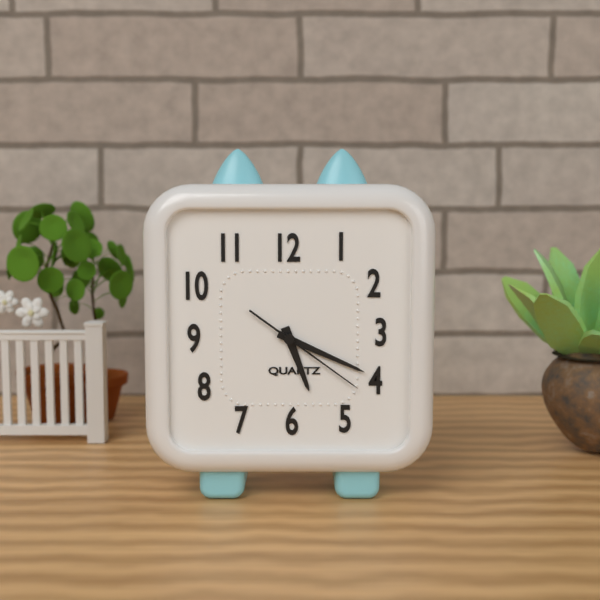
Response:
5h19m21s
